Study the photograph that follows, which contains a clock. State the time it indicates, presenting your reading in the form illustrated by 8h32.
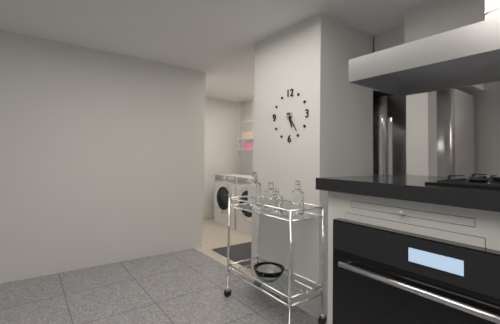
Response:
5h24
